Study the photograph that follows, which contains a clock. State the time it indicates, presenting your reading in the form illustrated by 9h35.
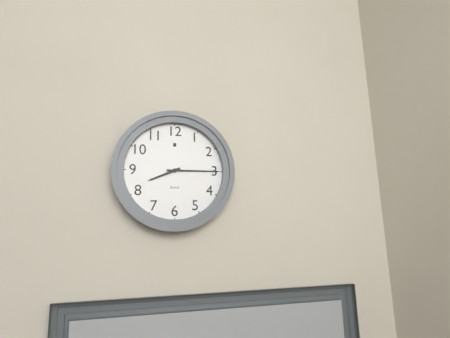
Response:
8h15
